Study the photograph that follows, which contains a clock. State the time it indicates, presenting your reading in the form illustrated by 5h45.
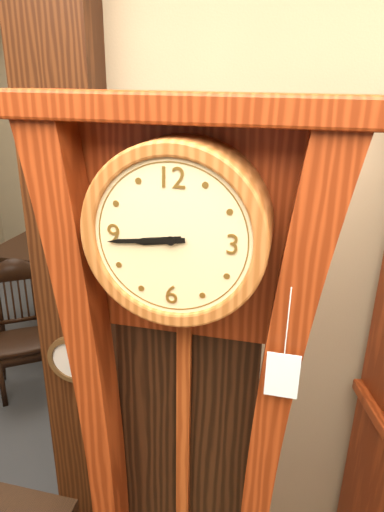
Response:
8h44
